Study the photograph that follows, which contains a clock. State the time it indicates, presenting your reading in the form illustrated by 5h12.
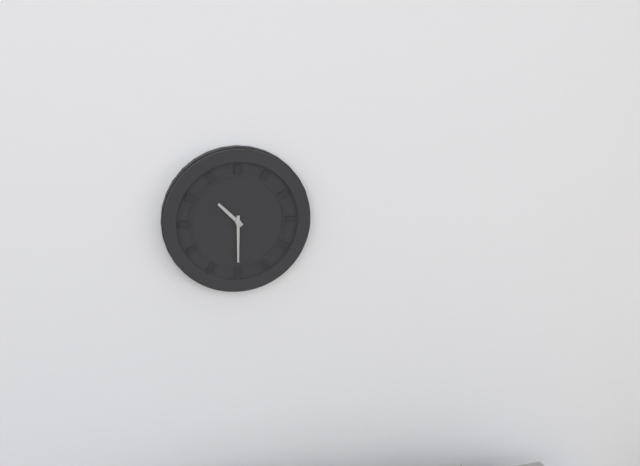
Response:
10h30
